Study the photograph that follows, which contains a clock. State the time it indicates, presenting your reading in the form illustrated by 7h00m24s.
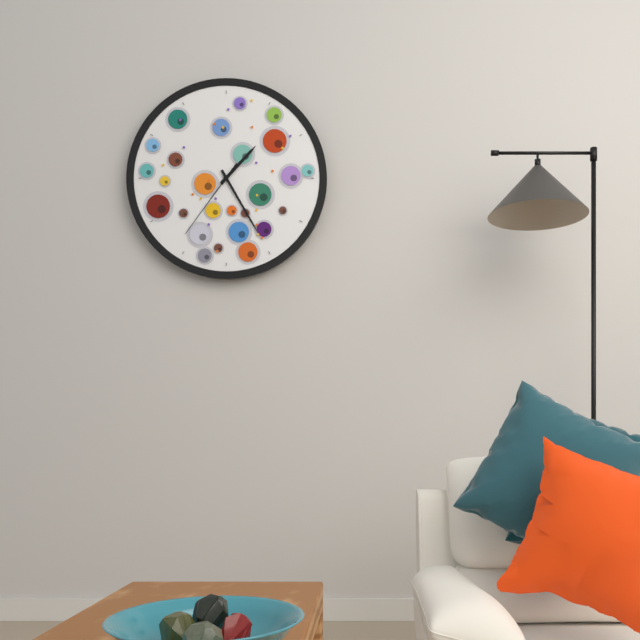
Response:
1h25m36s
